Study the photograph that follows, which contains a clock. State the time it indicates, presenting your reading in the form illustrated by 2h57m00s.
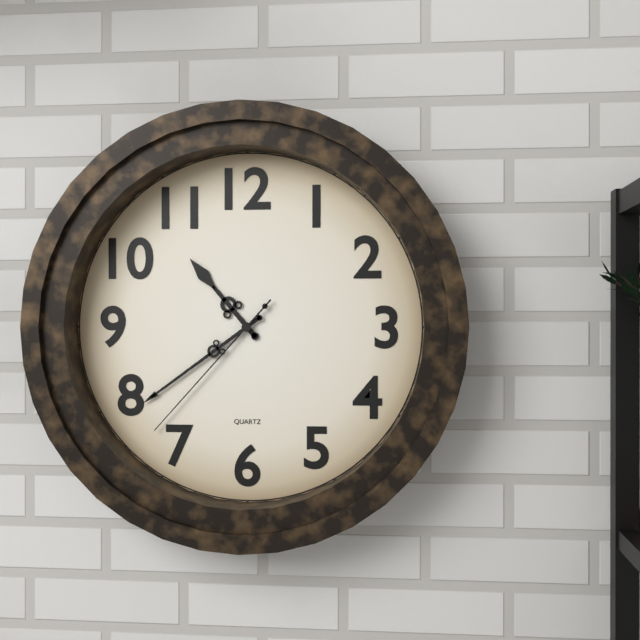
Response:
10h39m37s
